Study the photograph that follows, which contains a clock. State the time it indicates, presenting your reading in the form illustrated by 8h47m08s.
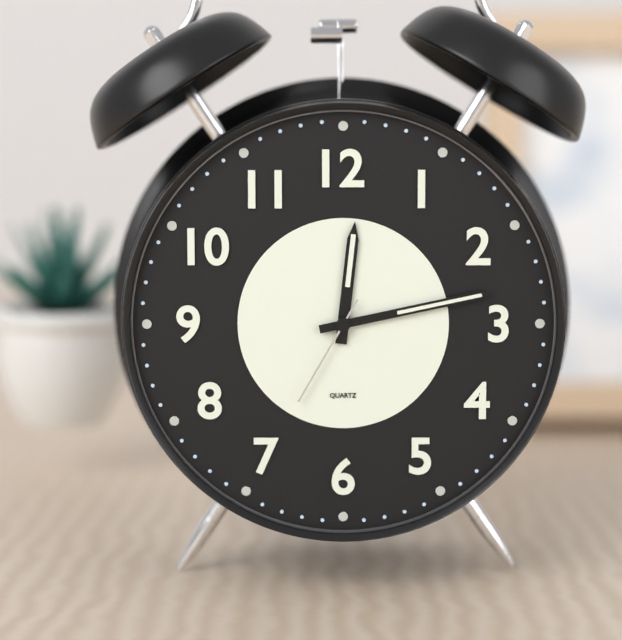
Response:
12h13m35s
